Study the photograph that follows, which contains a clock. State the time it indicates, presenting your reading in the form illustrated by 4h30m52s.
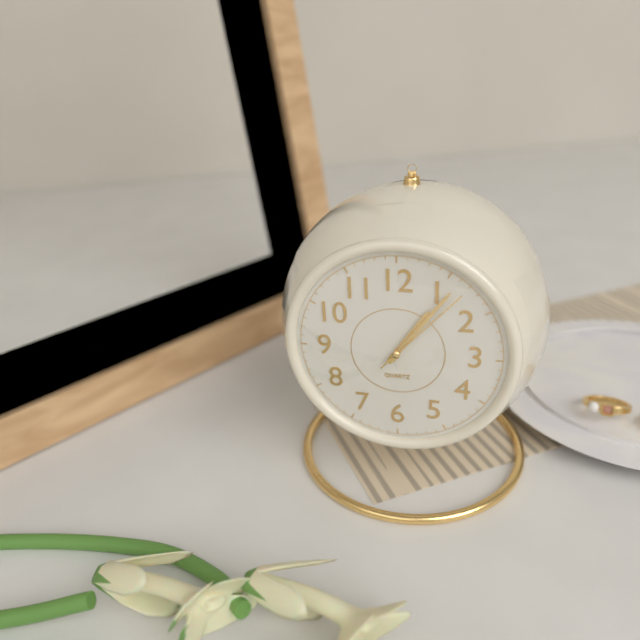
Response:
1h06m07s
